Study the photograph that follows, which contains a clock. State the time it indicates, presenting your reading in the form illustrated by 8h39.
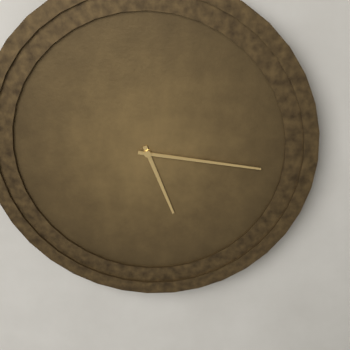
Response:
5h16
